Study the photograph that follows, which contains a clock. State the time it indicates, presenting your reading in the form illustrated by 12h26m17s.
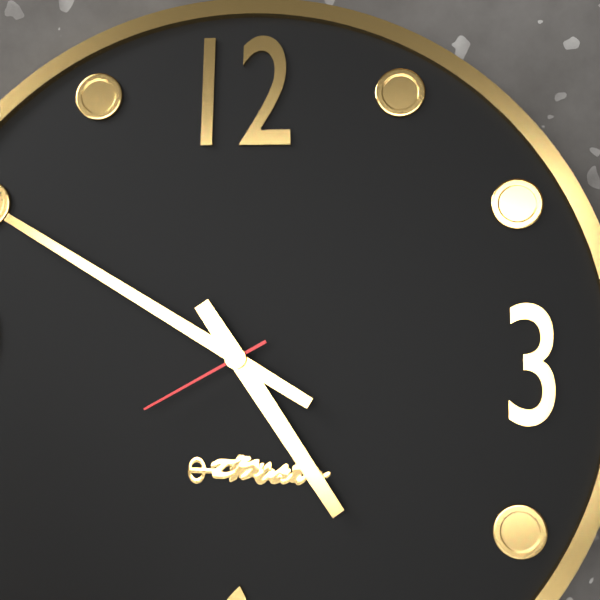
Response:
4h50m40s
